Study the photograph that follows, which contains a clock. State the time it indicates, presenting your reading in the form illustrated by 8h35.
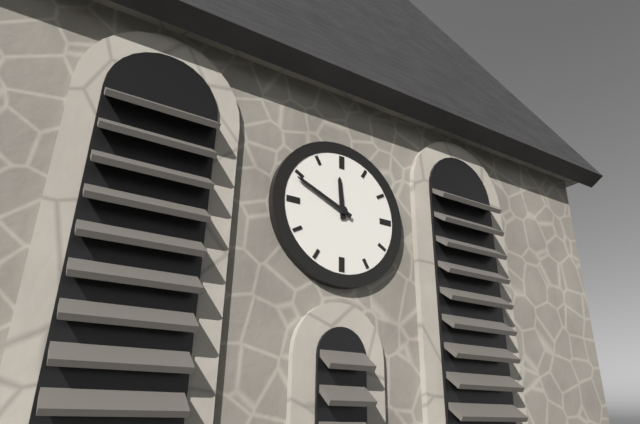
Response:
11h49
